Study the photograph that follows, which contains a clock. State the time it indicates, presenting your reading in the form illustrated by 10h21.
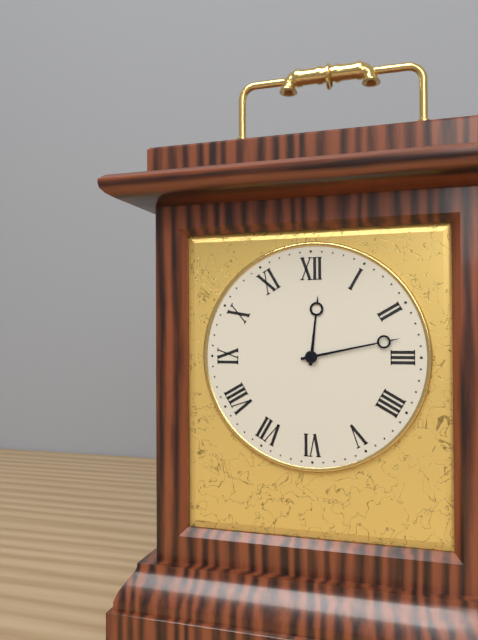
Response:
12h13
